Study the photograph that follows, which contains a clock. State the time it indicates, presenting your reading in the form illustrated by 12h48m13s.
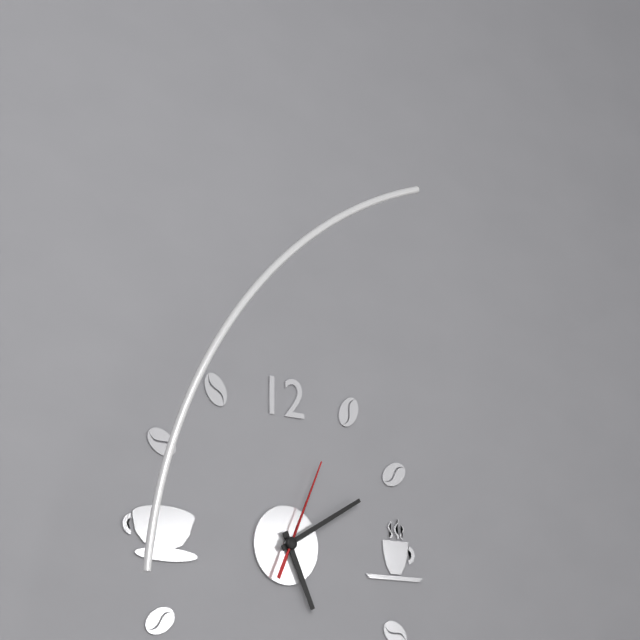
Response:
5h10m04s
